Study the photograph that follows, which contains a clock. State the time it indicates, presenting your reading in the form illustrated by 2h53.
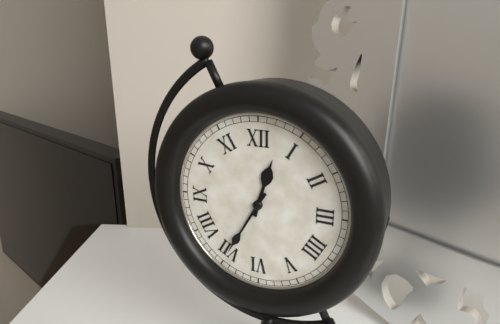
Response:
12h35
